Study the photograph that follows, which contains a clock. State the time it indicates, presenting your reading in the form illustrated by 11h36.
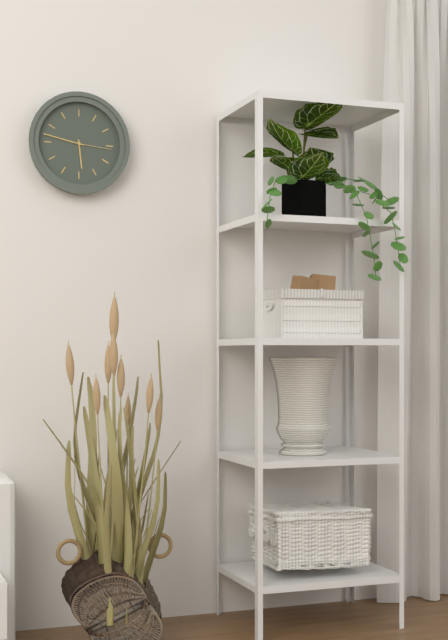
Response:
5h47
